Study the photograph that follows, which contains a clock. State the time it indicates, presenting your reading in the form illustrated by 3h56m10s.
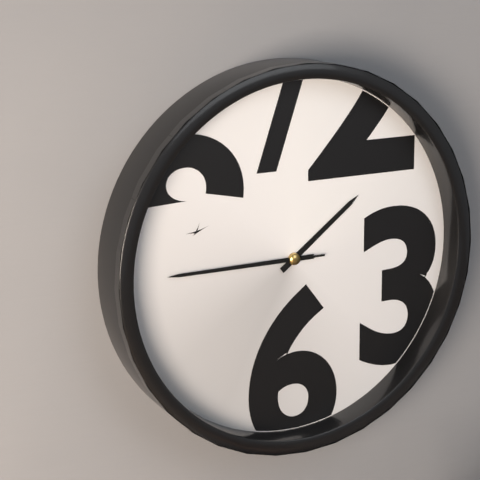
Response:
1h45m45s
